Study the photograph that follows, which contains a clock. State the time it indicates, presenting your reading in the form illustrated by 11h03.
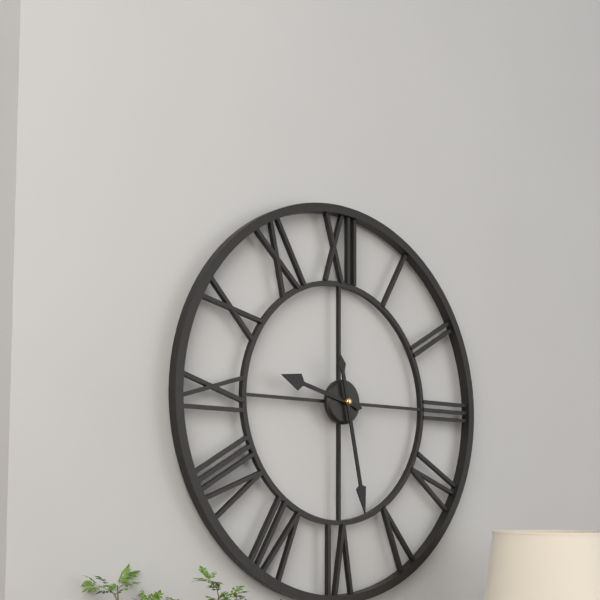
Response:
9h28
